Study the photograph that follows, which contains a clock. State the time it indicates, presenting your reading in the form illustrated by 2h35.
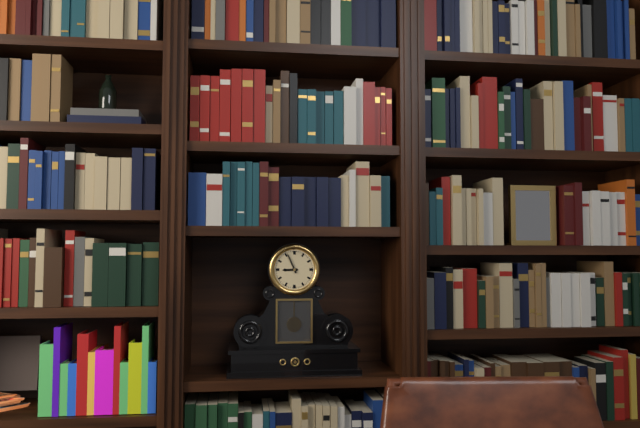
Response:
8h56
